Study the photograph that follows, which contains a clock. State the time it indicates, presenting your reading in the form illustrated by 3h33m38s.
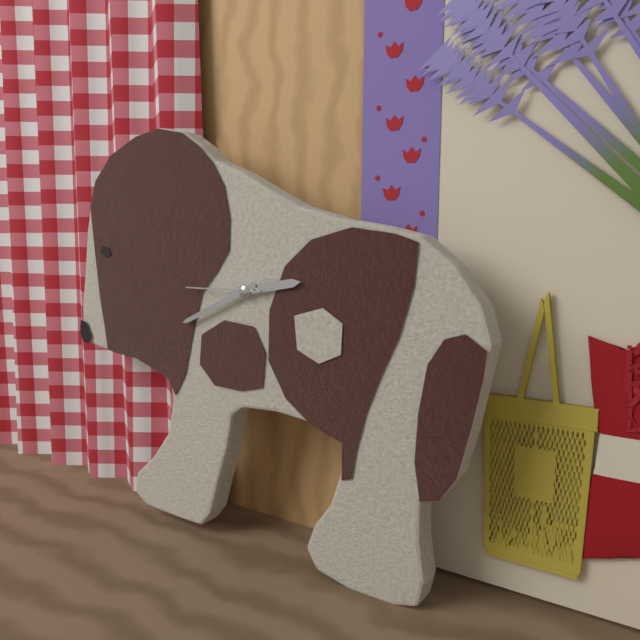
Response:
2h41m45s
